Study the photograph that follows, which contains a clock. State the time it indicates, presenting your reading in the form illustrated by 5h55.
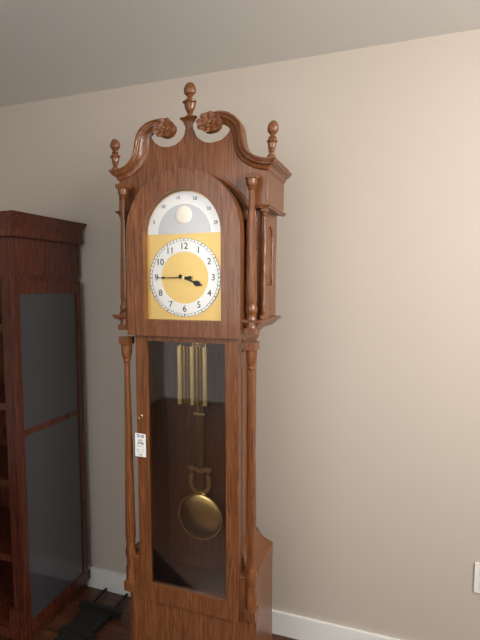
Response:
3h45
